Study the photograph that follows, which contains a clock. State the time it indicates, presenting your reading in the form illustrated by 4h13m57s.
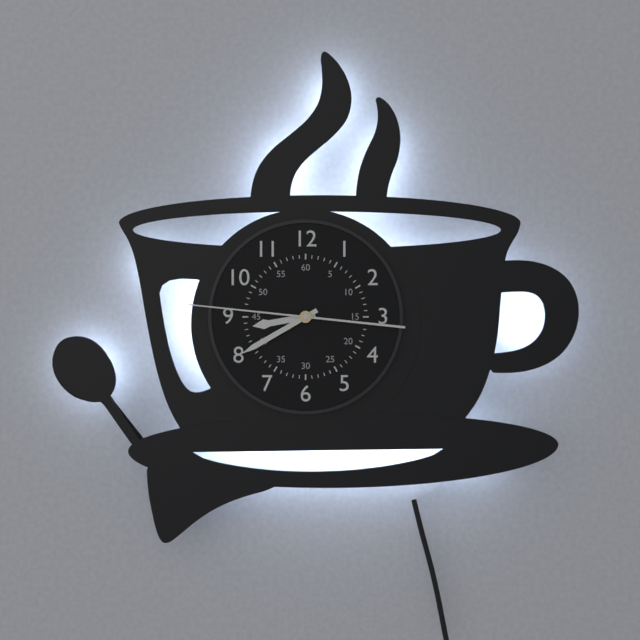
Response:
8h40m46s
